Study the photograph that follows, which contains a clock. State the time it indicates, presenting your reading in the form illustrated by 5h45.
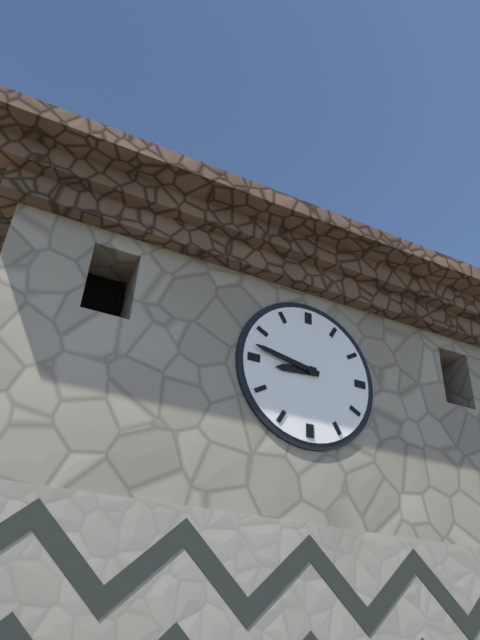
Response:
8h47
